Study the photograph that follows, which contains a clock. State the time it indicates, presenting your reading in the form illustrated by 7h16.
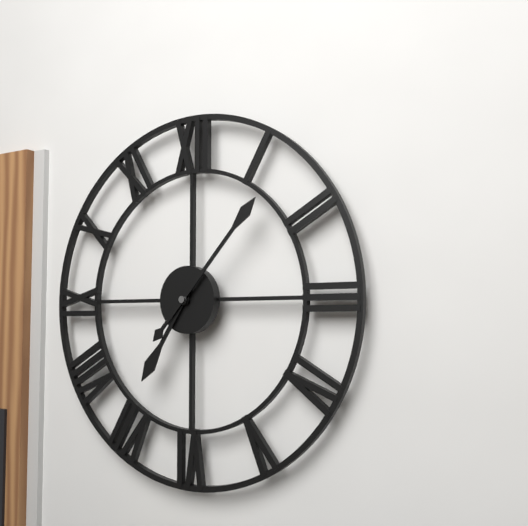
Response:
7h07
